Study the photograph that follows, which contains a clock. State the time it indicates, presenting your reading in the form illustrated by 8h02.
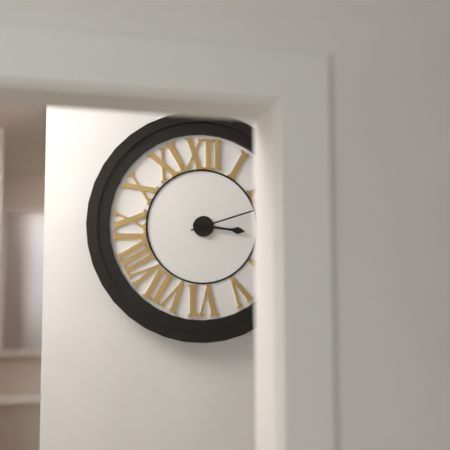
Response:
3h12
